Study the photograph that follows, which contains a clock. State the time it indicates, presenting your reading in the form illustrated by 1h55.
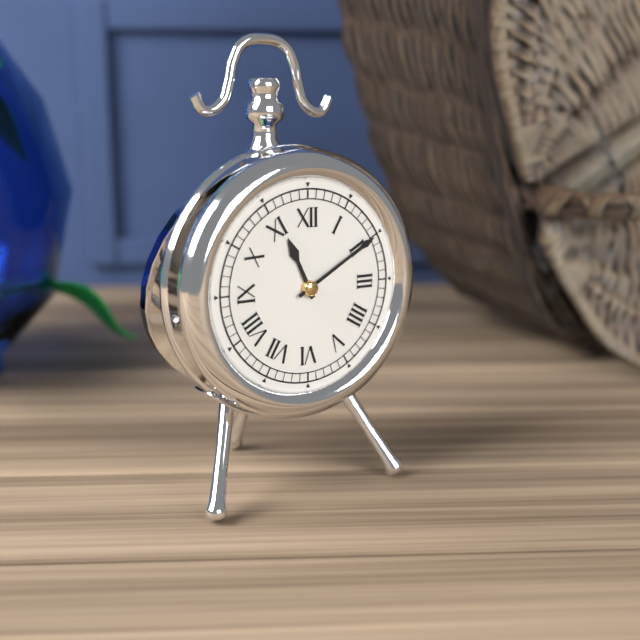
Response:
11h10
